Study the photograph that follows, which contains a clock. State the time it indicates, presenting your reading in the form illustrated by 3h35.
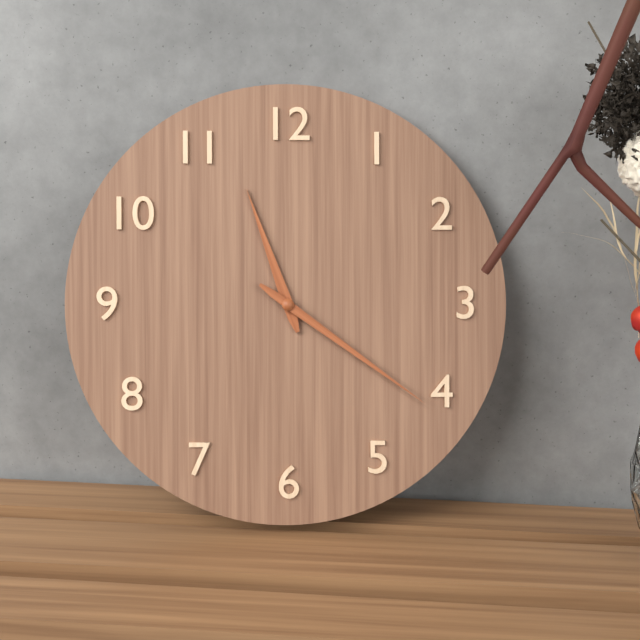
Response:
11h21
